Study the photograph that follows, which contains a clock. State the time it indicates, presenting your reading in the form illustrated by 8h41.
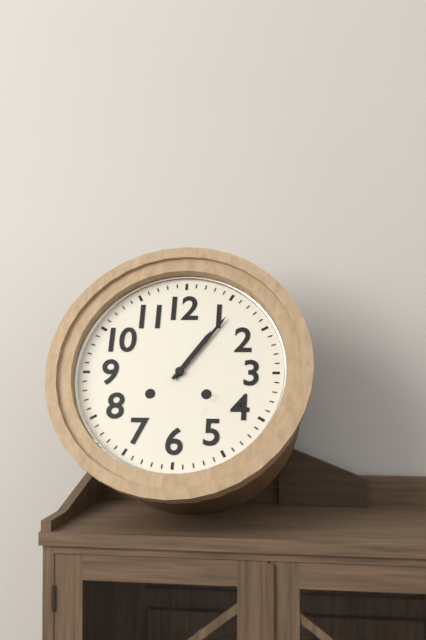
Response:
1h06
